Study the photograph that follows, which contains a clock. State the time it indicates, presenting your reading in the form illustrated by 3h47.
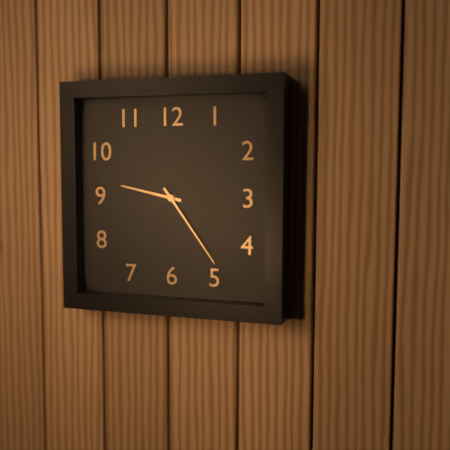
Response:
9h24
